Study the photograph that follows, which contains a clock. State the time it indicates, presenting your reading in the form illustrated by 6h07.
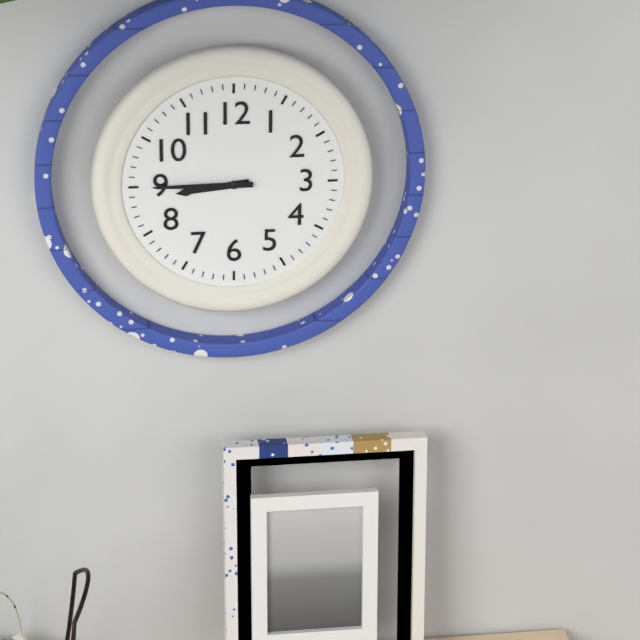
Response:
8h45
